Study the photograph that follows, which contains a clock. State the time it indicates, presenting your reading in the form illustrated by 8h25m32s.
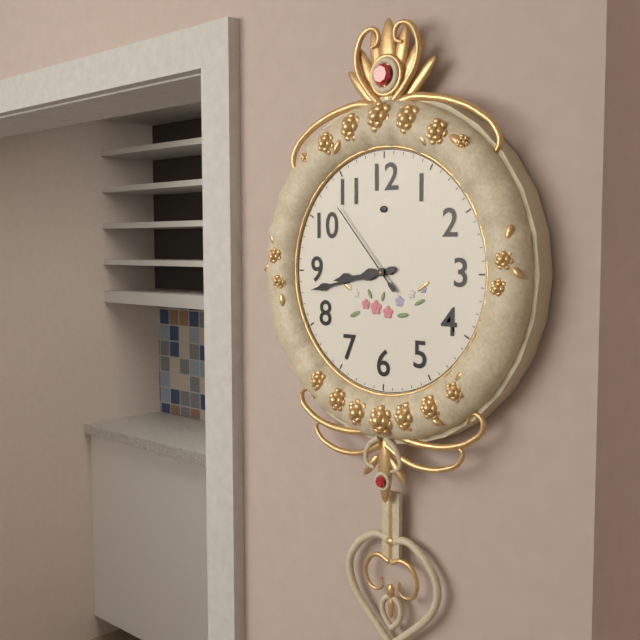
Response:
8h43m53s
